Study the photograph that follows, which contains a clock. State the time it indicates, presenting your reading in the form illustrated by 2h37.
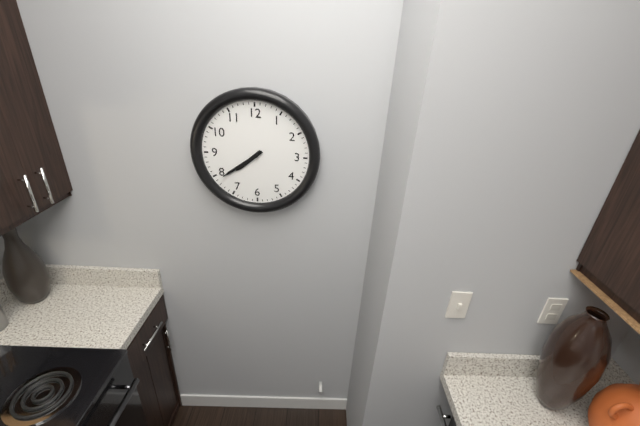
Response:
7h39
